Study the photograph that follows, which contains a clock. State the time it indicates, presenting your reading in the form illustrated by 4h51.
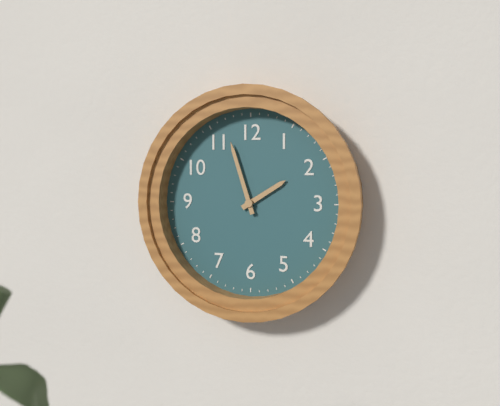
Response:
1h57
